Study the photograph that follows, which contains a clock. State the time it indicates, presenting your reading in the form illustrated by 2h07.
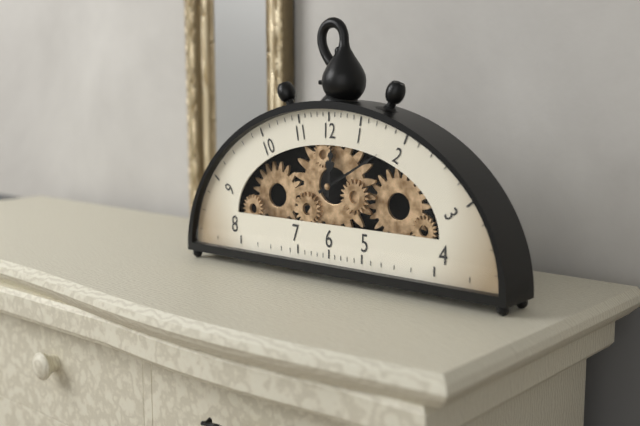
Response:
12h10
